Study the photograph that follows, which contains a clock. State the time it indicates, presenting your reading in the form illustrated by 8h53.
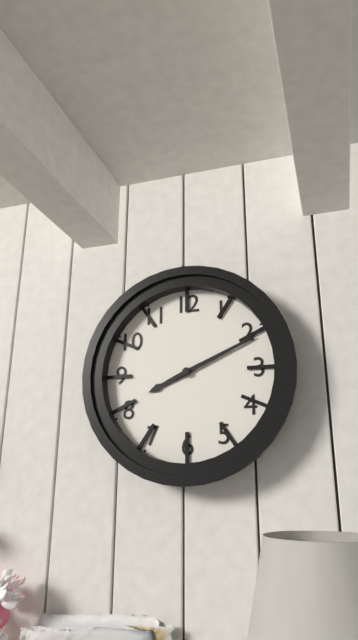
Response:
8h11
